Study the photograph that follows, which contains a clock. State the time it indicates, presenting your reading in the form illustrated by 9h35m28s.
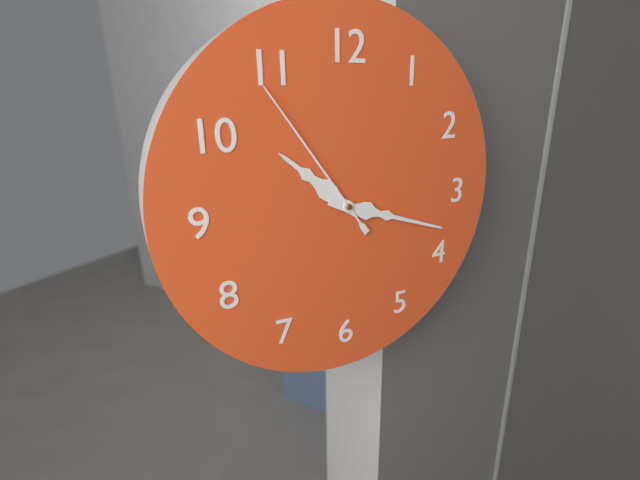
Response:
10h18m54s
